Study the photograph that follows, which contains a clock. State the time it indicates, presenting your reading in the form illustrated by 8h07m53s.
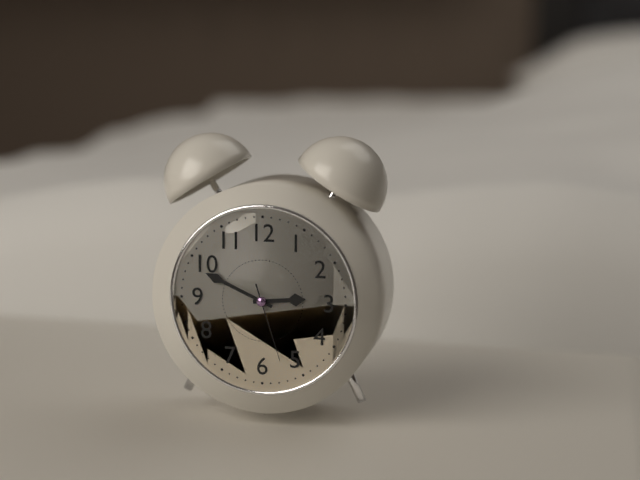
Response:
2h49m27s
